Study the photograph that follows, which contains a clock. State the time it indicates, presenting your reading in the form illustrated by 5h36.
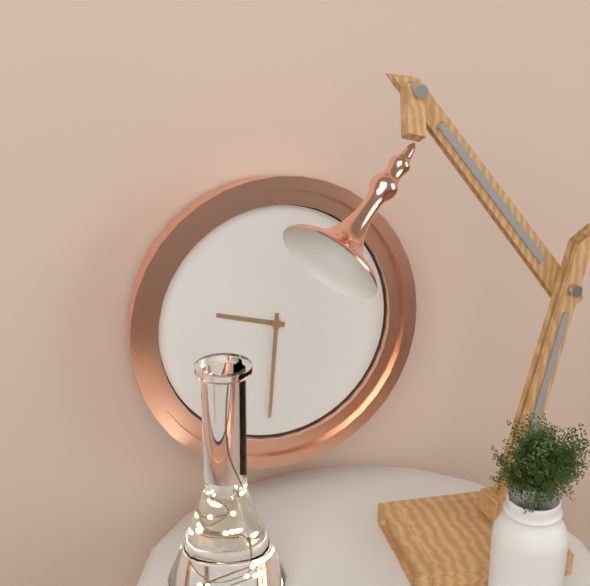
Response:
9h31
